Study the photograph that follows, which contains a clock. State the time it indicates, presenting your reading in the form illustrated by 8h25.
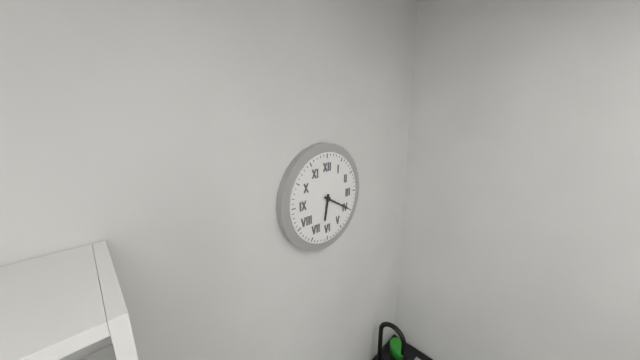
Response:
6h20
